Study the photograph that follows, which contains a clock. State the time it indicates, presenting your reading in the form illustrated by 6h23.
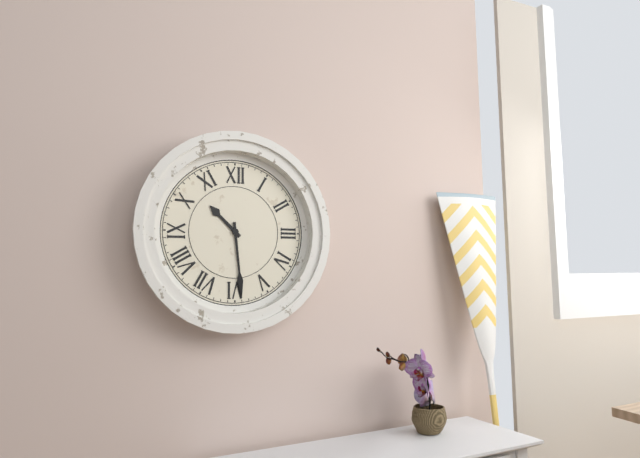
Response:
10h29
